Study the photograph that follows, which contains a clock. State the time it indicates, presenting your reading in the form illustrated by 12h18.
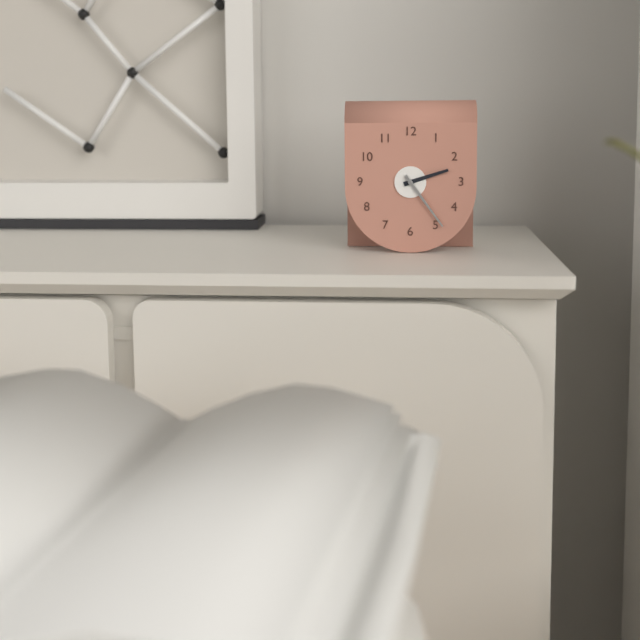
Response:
2h24
